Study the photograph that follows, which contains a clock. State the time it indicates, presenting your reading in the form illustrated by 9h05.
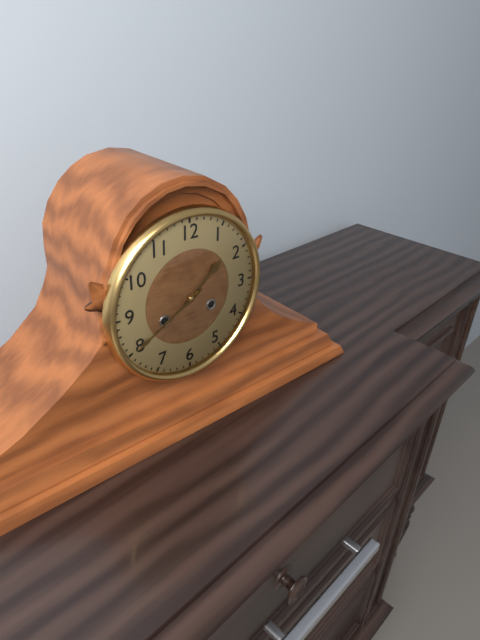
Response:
1h40
